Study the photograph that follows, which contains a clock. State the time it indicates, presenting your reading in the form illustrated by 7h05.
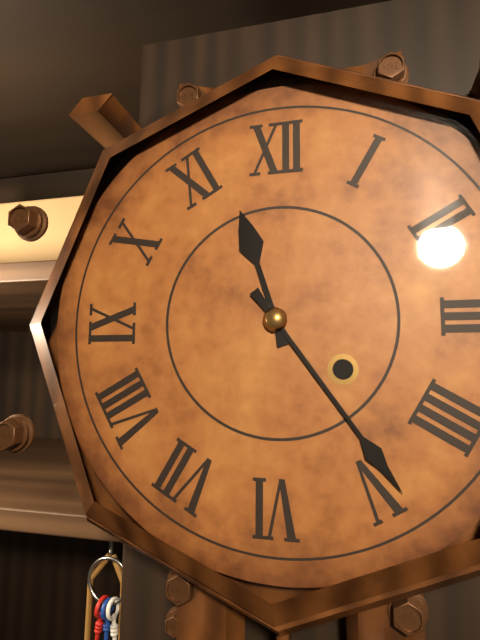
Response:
11h24
